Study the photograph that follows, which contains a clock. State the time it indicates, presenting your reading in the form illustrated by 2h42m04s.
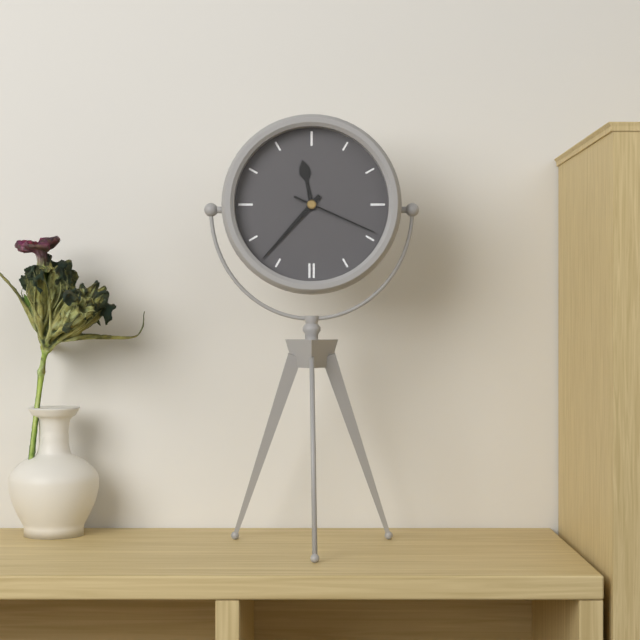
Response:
11h37m19s
